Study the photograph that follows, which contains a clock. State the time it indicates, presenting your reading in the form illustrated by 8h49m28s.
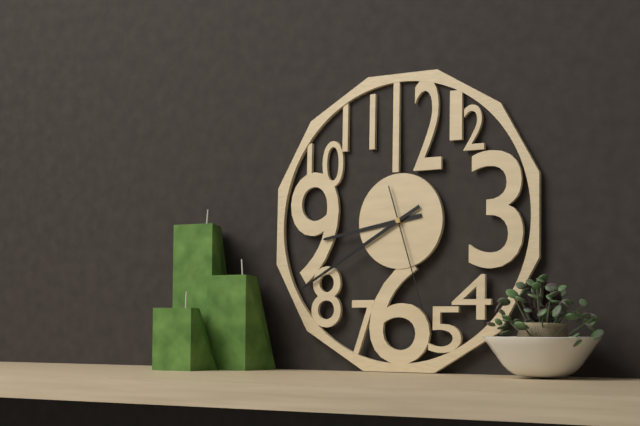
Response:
8h40m27s
